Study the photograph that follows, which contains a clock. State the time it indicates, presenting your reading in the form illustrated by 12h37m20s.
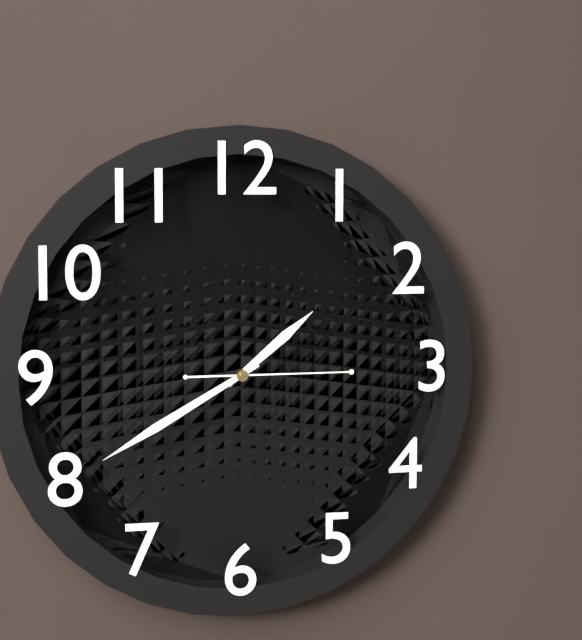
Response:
1h40m15s
